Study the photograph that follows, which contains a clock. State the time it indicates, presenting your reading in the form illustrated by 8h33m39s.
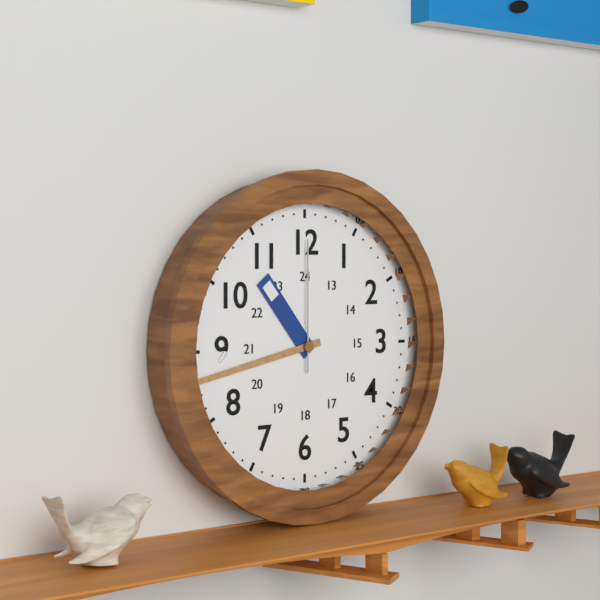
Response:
10h43m00s
